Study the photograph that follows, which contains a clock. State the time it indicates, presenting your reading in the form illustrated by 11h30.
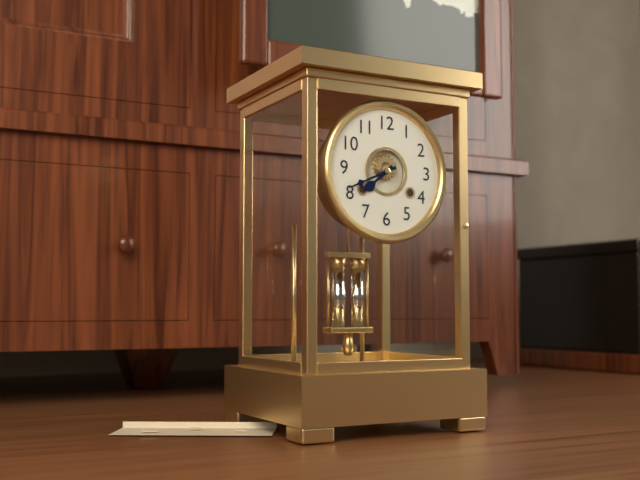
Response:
7h41
